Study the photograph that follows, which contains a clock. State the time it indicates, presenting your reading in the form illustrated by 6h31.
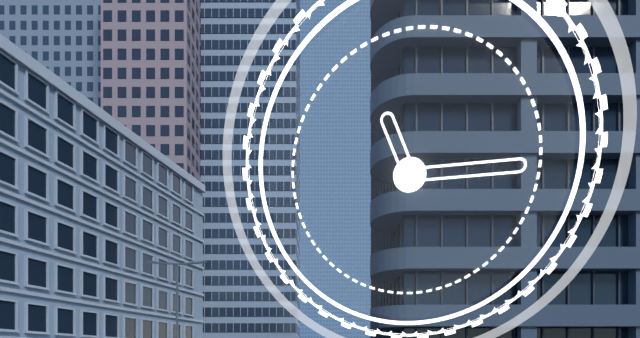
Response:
11h15
